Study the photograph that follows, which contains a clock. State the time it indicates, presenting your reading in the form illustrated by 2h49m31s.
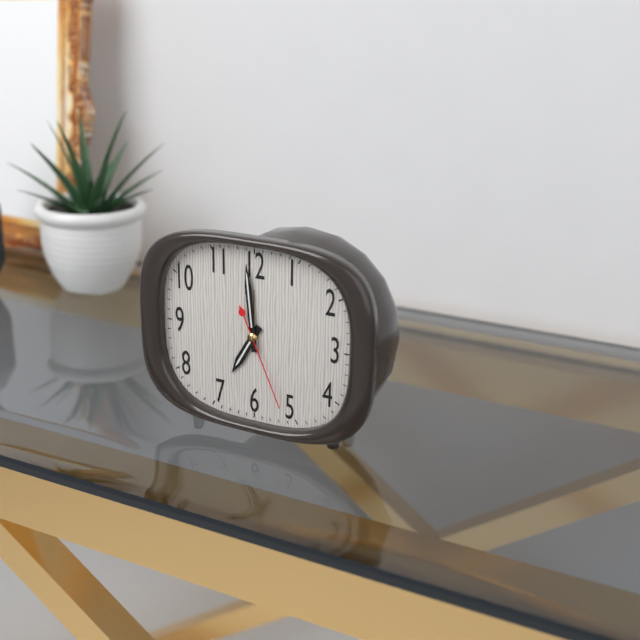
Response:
6h59m26s
